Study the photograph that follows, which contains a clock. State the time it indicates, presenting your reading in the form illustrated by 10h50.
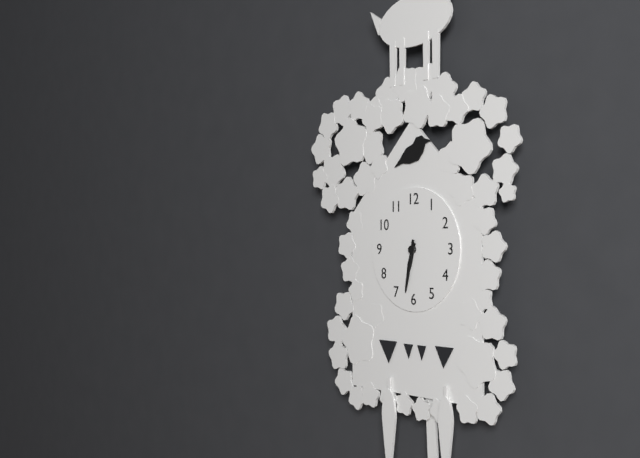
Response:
6h32
